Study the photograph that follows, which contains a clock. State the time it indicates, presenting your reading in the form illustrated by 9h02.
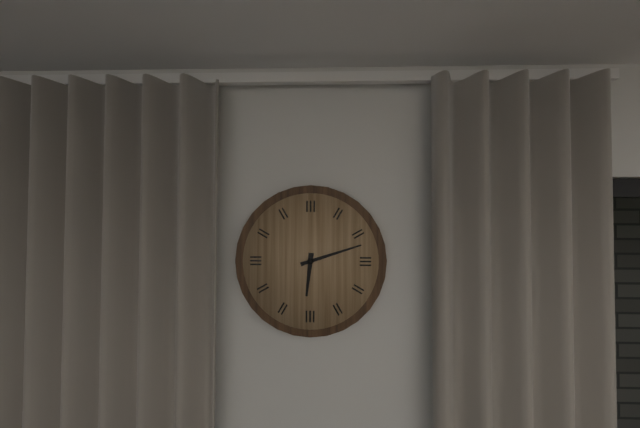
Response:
6h12
